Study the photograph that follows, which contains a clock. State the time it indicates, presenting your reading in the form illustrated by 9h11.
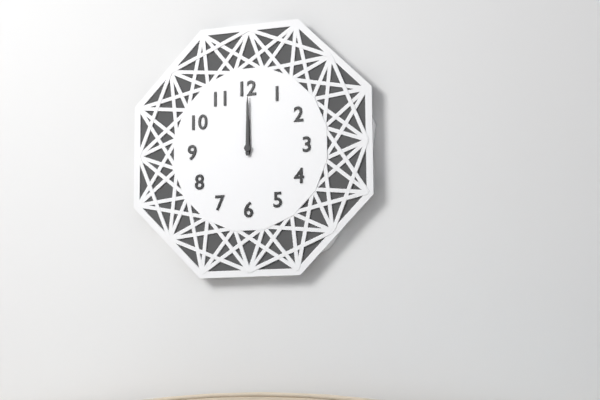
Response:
12h00
